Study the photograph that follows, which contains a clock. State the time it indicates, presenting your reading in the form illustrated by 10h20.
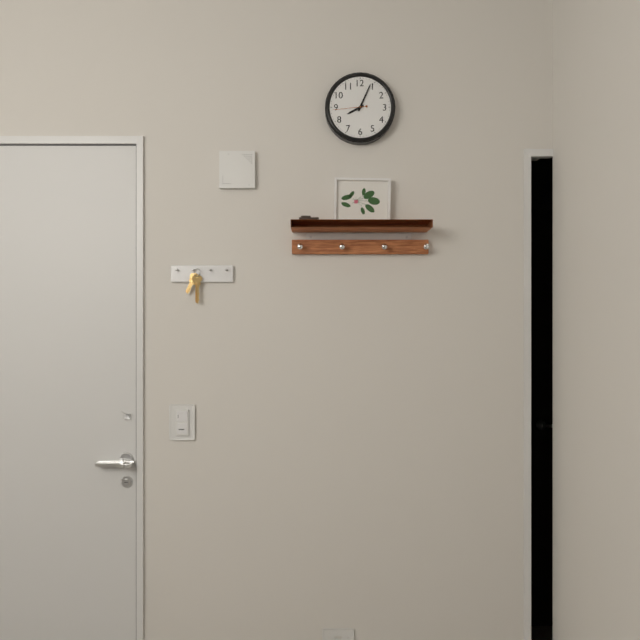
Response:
8h04
